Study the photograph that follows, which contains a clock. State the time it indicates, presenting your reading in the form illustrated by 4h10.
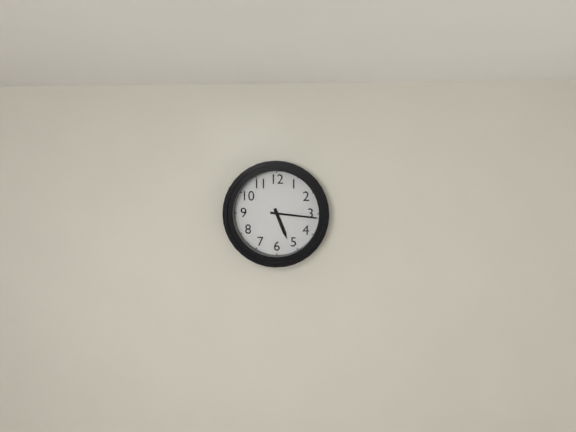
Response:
5h16
